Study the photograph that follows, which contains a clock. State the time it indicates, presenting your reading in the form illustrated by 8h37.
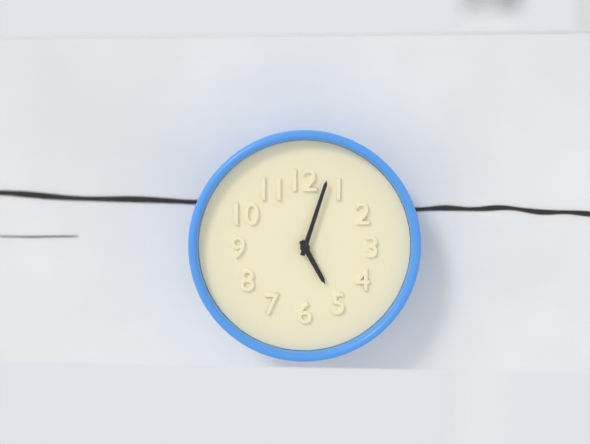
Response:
5h03
